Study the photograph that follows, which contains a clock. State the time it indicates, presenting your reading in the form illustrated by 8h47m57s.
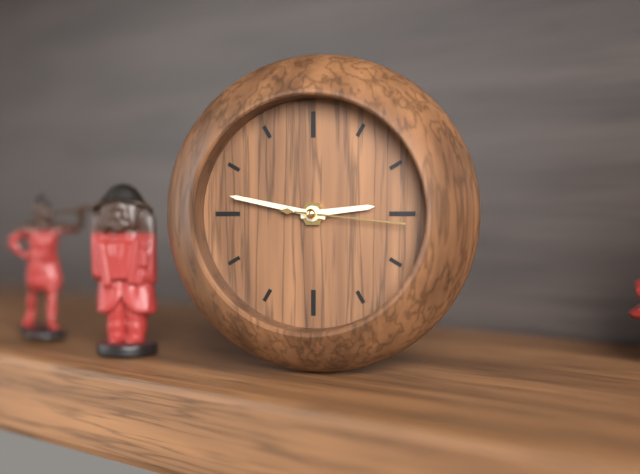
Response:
2h47m16s
